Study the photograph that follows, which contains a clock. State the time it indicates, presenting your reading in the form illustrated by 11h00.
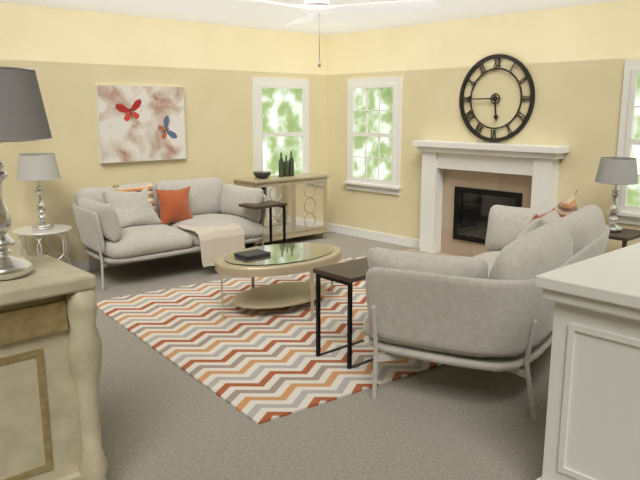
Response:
5h45
